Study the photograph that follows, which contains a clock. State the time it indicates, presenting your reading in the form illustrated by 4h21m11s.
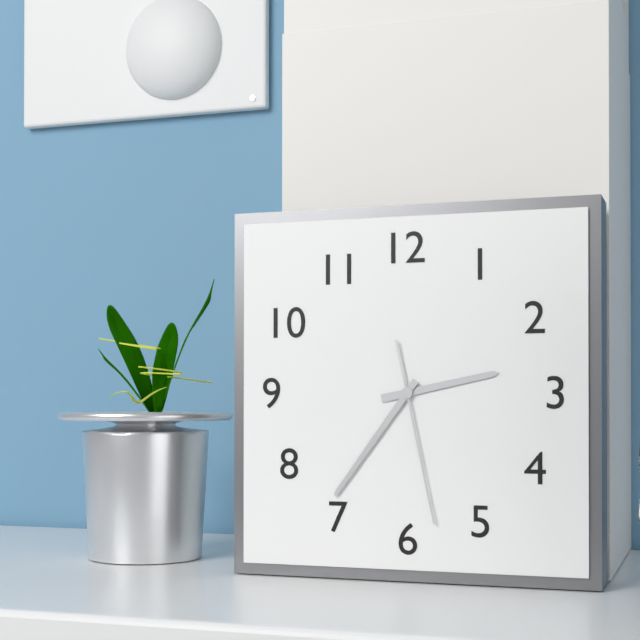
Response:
2h36m28s
